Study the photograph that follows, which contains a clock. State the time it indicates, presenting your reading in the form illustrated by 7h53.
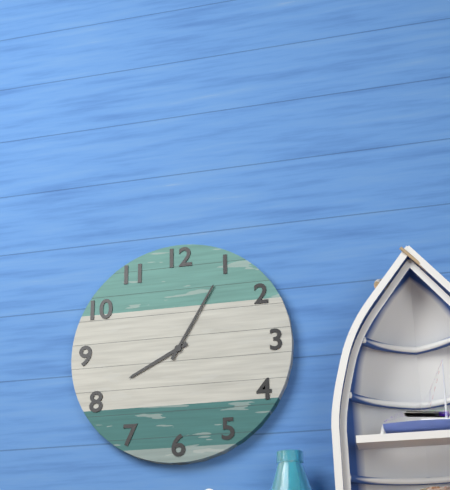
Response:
8h05
